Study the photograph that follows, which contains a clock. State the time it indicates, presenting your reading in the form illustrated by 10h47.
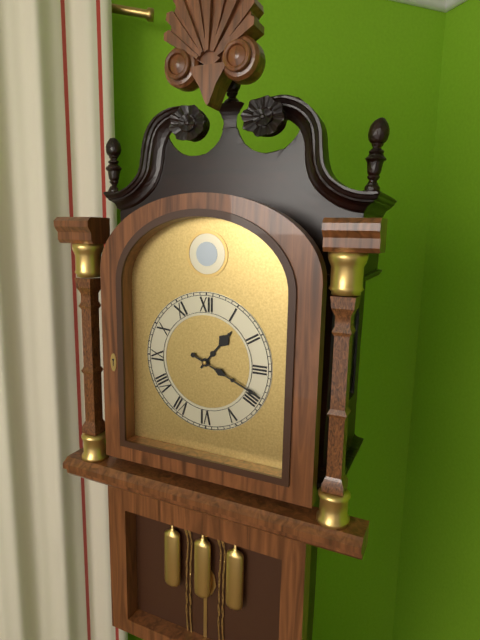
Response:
1h19
